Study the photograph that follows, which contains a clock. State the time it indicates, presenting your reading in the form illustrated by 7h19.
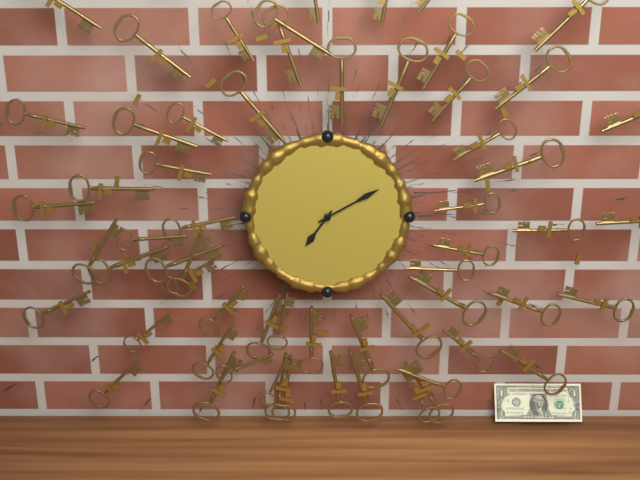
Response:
7h10
